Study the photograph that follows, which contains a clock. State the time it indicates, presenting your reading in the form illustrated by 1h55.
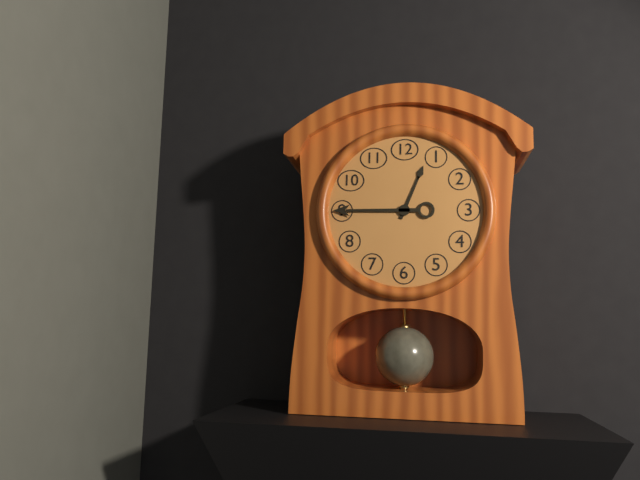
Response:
12h45
